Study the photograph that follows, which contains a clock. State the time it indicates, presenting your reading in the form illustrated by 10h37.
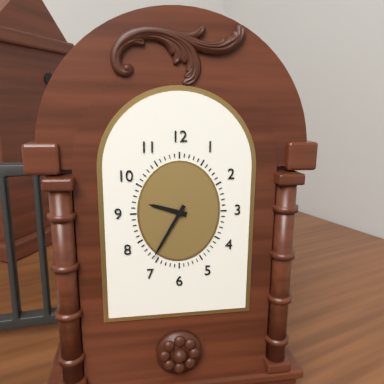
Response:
9h35
